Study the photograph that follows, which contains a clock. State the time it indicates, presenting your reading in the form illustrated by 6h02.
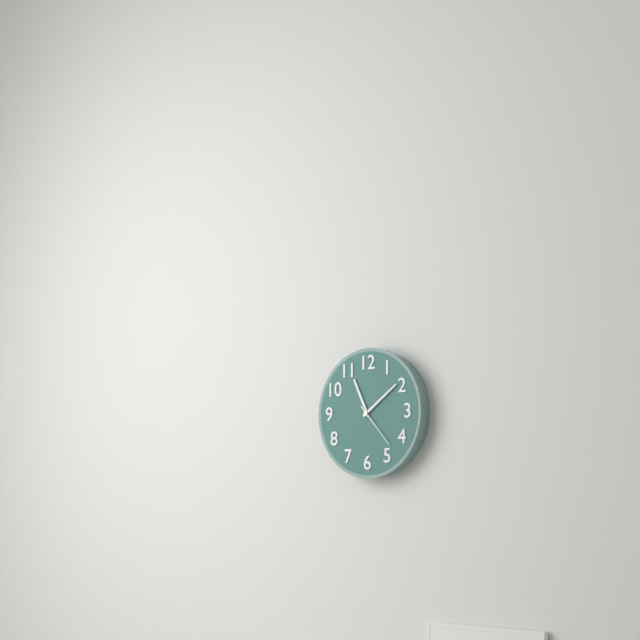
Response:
11h09
